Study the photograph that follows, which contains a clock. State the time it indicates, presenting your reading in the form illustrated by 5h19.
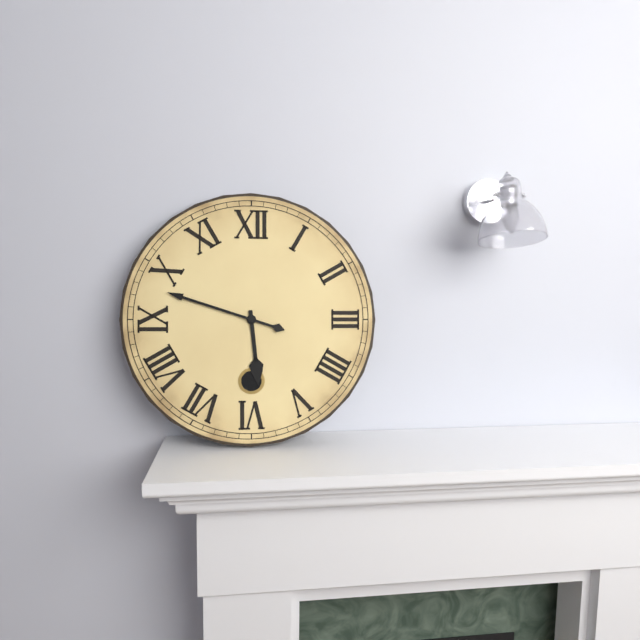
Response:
5h48
